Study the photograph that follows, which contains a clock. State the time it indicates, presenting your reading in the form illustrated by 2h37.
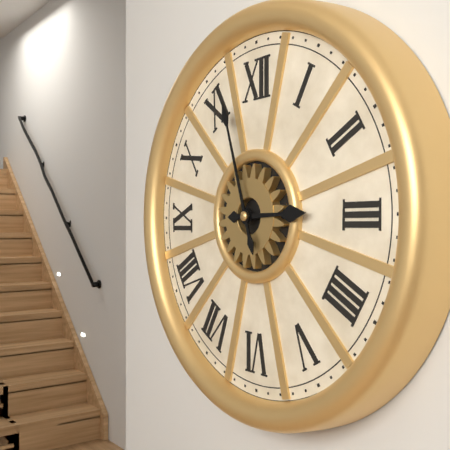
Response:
2h57
